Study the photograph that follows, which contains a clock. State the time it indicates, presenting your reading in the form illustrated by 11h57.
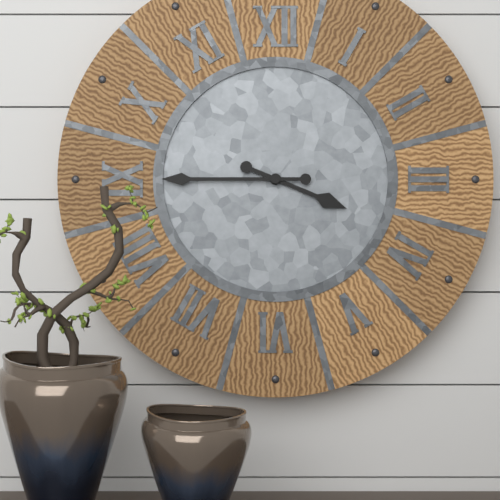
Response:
3h45
